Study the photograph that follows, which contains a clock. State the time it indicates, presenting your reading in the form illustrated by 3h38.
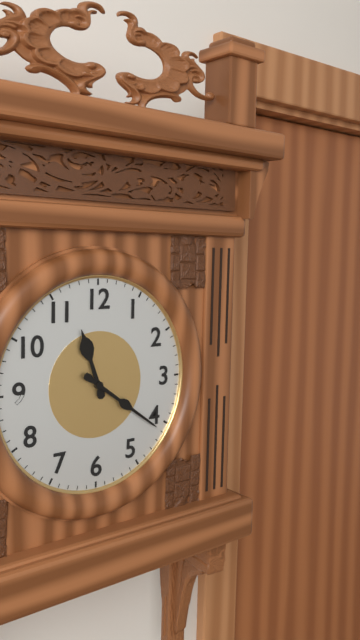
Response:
11h21
